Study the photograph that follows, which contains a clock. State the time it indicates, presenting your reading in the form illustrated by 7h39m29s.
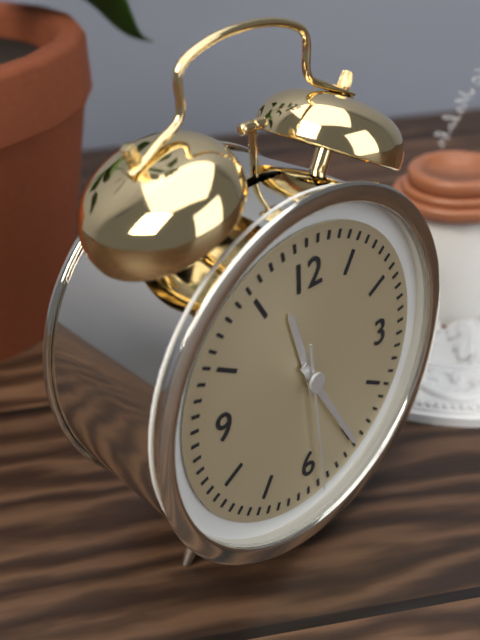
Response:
11h25m29s
